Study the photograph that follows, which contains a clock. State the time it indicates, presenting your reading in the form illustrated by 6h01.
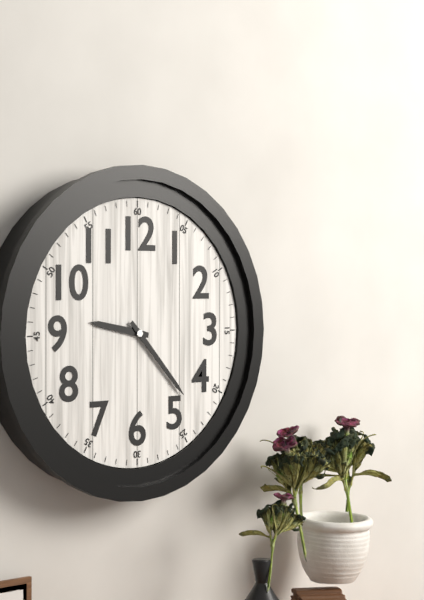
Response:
9h23
